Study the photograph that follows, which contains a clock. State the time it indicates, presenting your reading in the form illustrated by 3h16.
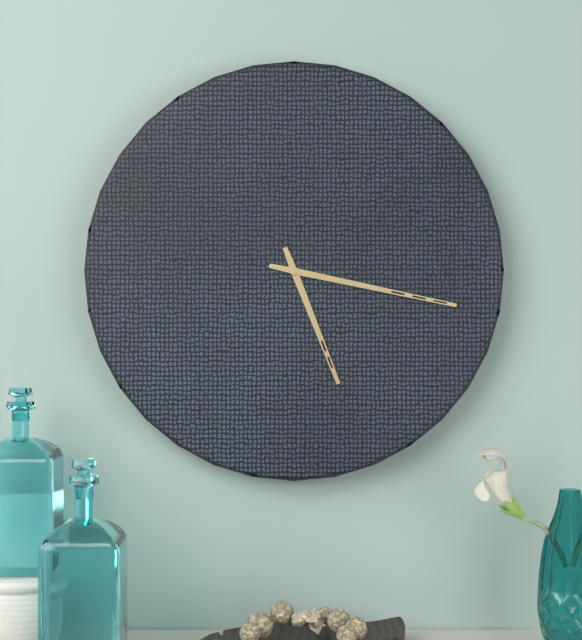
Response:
5h17
